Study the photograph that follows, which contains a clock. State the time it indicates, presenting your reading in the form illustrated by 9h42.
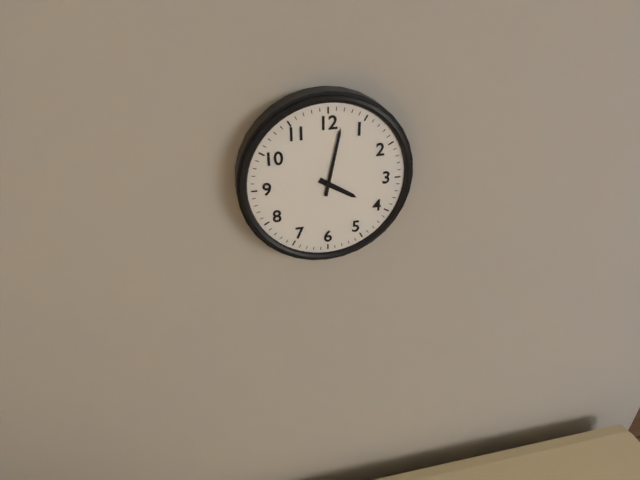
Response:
4h02
